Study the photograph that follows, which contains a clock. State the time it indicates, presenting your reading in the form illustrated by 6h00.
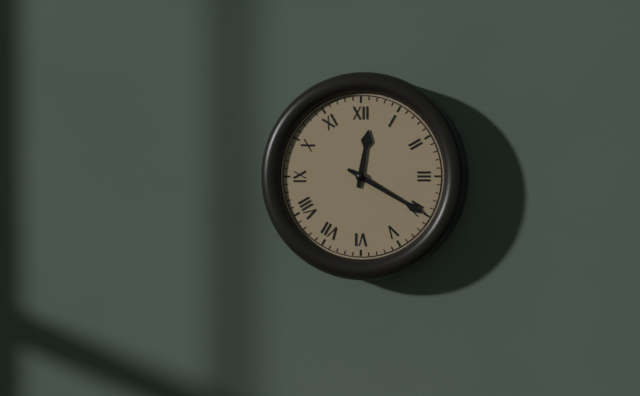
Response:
12h20
